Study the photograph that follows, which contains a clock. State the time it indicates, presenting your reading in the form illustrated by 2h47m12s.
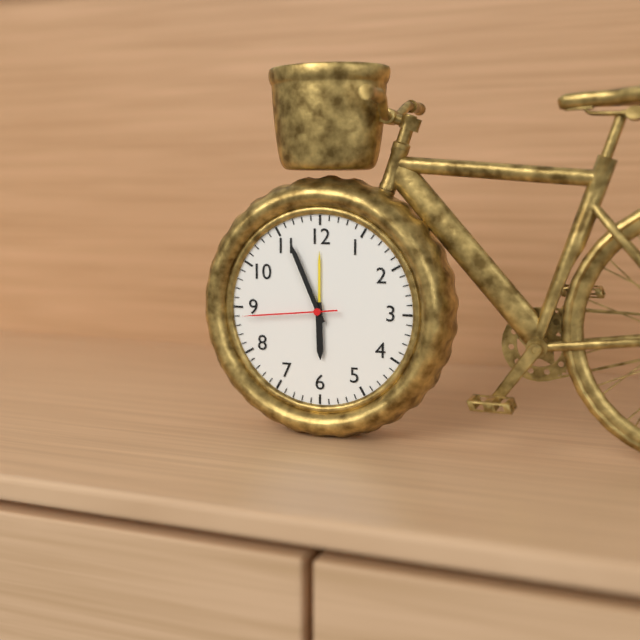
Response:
5h56m44s
